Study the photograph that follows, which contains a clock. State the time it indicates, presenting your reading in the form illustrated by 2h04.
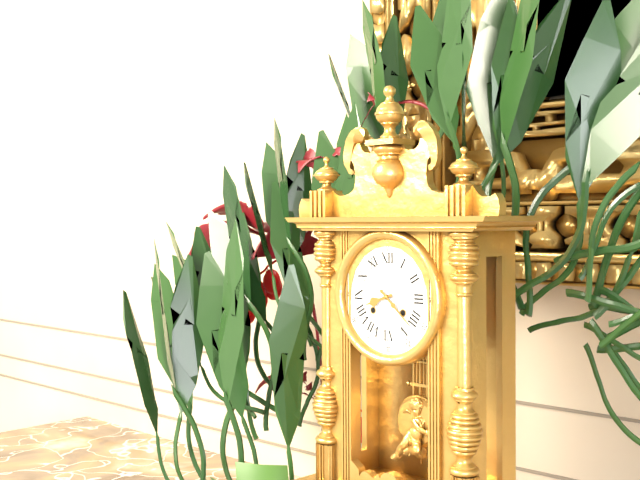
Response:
8h22
